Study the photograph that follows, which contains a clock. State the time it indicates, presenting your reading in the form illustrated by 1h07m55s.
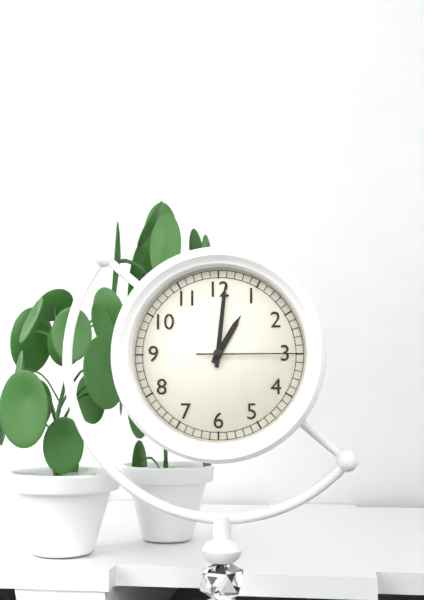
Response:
1h01m15s
